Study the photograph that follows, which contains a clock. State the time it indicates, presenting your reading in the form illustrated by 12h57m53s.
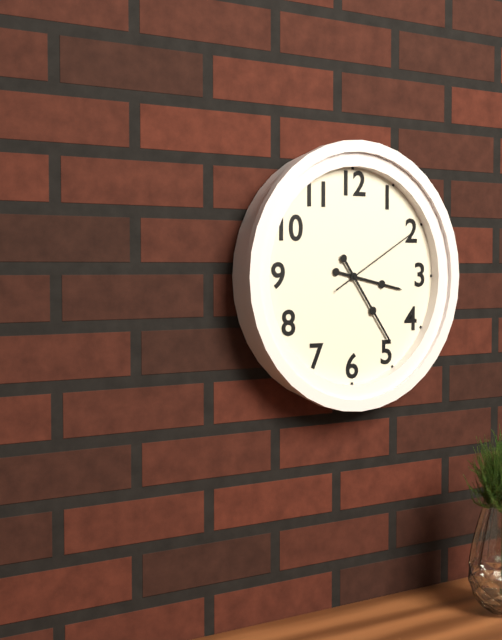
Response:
3h24m10s
